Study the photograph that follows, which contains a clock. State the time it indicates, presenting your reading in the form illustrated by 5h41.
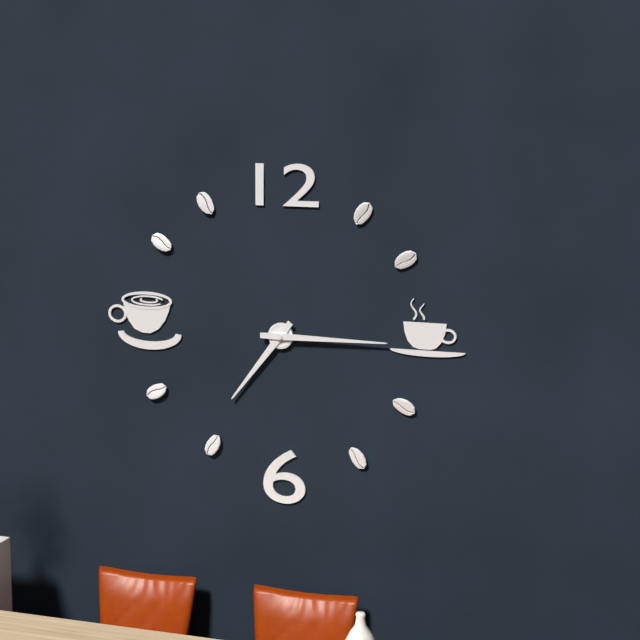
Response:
7h15
